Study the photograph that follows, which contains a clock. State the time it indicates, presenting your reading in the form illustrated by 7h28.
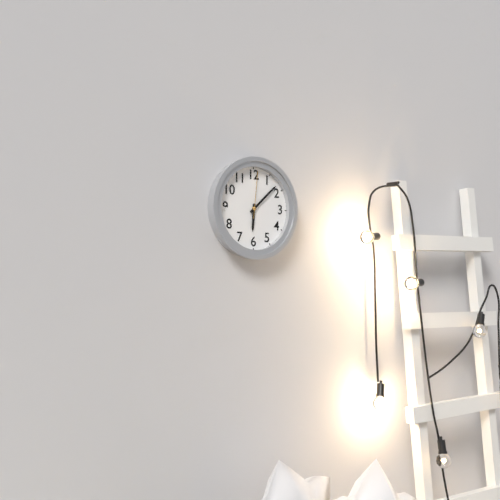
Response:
6h08
